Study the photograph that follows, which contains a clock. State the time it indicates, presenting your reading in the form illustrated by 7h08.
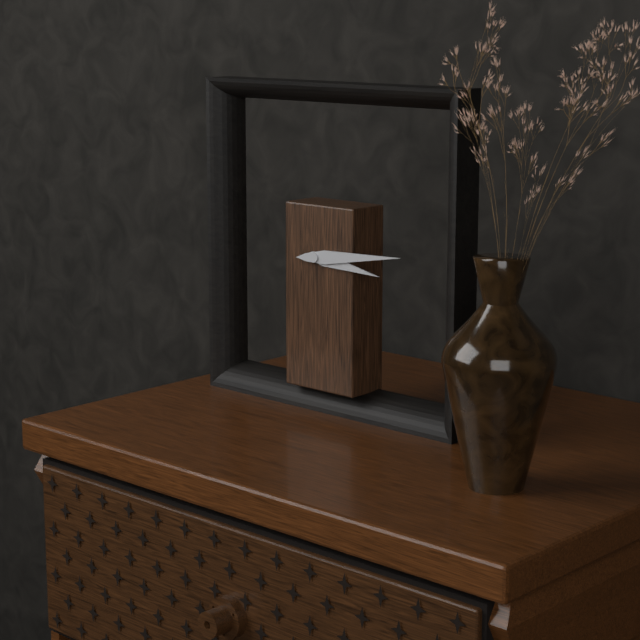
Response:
3h14
